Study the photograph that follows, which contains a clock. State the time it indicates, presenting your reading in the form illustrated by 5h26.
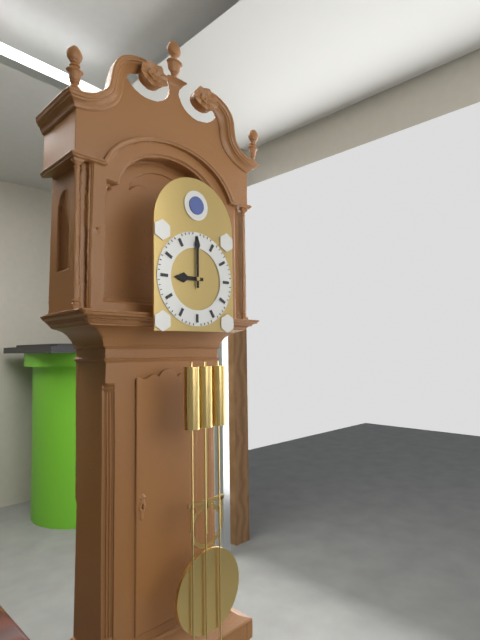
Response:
9h00
